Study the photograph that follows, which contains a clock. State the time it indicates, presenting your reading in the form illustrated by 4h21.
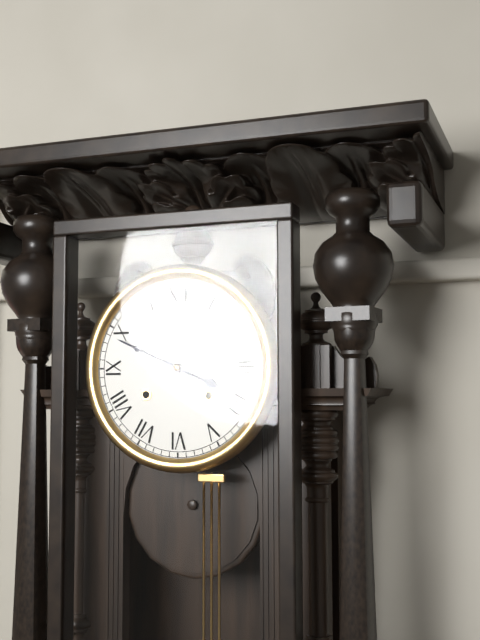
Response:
3h49
